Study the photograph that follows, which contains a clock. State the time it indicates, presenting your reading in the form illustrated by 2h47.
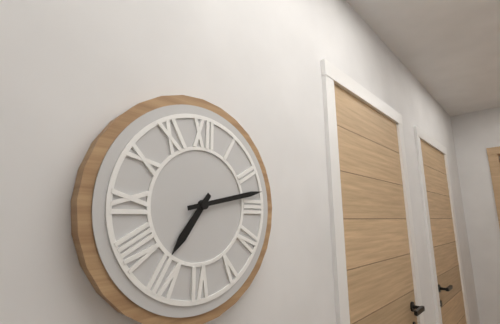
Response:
7h13
